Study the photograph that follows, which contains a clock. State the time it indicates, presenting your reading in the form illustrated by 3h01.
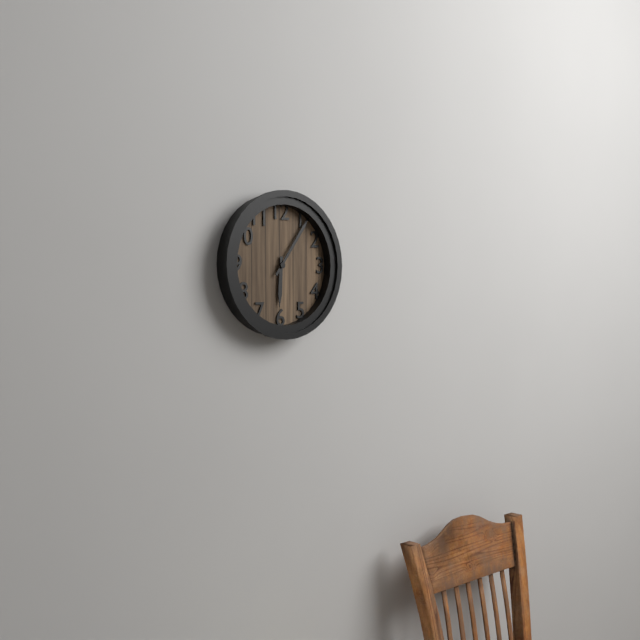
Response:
6h06
